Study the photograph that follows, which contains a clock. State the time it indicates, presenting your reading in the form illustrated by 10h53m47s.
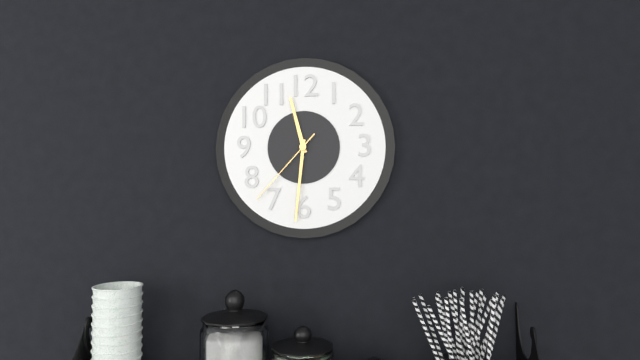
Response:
11h31m37s
